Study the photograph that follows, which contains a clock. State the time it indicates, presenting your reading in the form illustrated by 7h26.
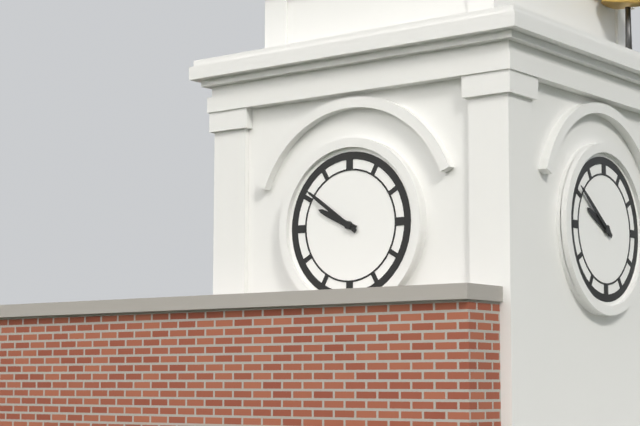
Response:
9h51
